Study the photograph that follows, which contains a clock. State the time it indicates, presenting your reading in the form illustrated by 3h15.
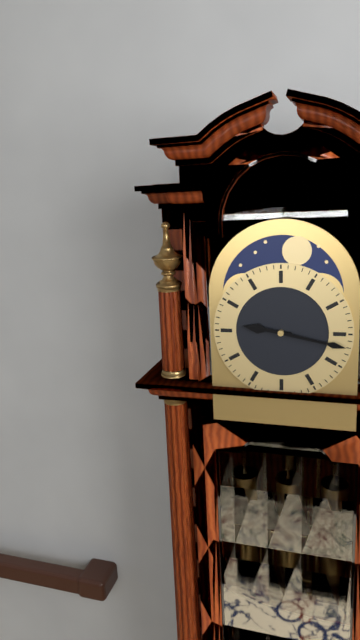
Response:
9h17
